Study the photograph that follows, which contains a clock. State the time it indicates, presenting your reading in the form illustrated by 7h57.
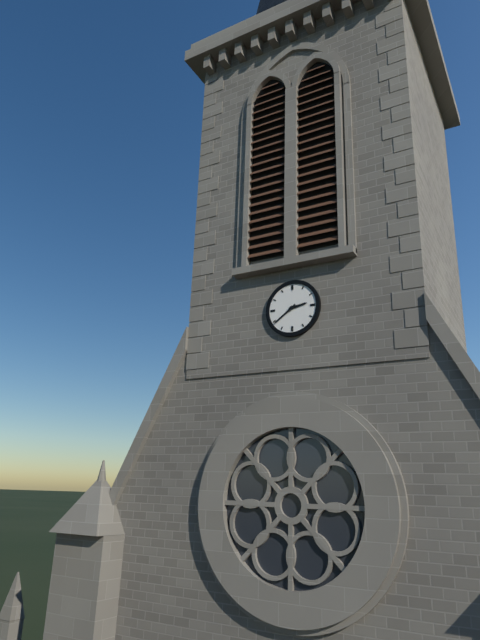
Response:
2h39
